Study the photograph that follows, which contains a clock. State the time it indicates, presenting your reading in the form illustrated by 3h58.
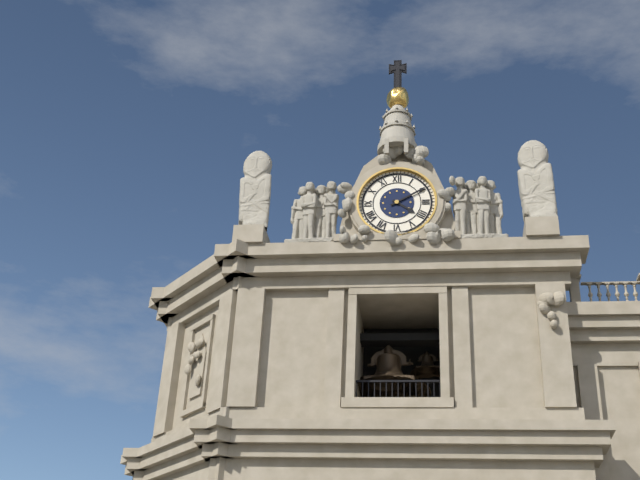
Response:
4h10
